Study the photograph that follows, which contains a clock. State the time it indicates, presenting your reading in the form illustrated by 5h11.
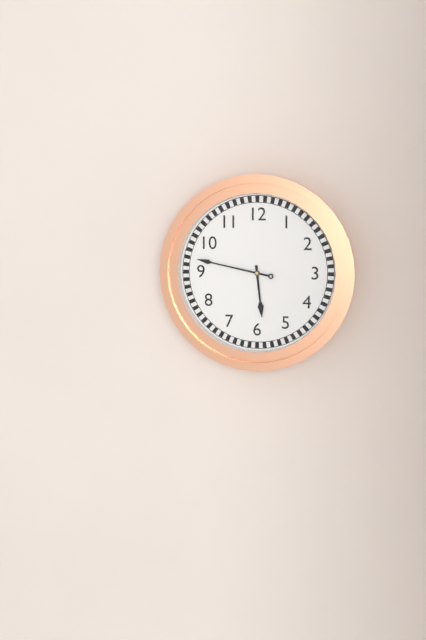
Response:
5h47
